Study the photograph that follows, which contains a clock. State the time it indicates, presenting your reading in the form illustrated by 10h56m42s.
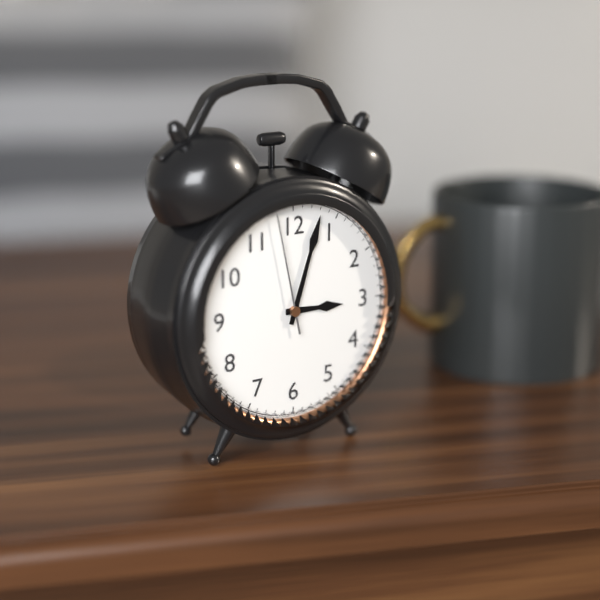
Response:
3h03m58s
